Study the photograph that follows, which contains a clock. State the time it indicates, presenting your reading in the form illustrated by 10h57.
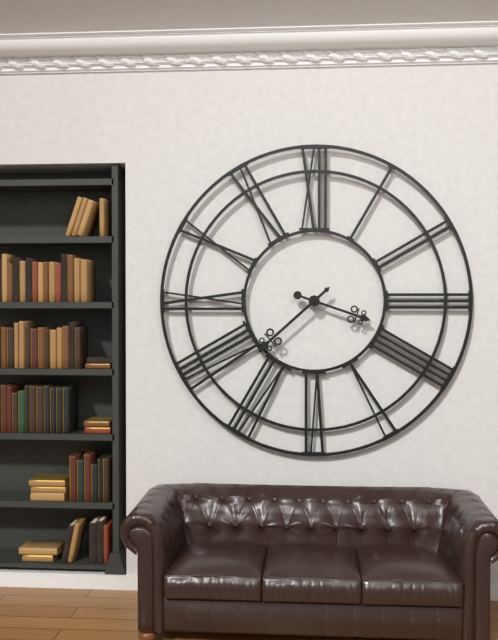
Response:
3h38
